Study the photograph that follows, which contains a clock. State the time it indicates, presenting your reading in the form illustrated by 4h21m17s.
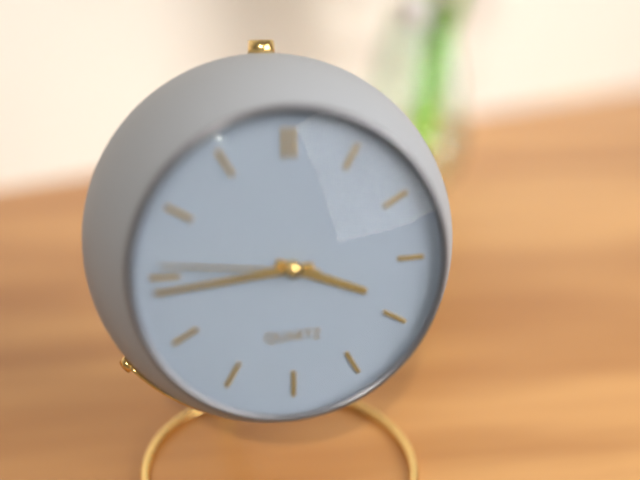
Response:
3h44m46s
